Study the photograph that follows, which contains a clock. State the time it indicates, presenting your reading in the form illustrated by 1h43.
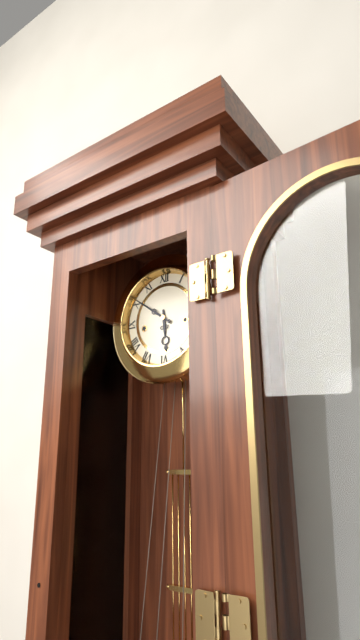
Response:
5h51
